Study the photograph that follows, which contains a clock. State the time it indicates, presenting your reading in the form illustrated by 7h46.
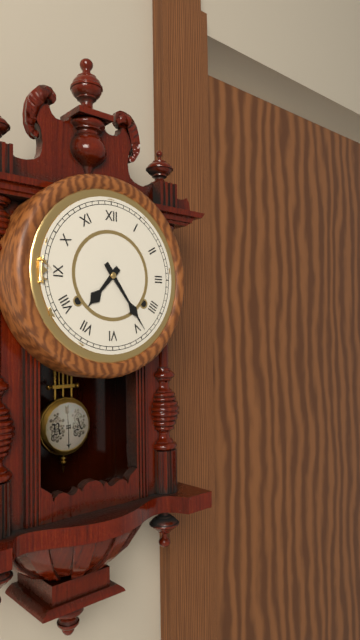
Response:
7h24
